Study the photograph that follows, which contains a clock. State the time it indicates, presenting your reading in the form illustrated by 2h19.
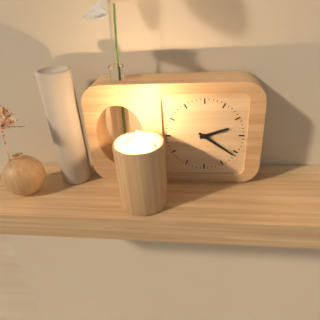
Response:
2h21
